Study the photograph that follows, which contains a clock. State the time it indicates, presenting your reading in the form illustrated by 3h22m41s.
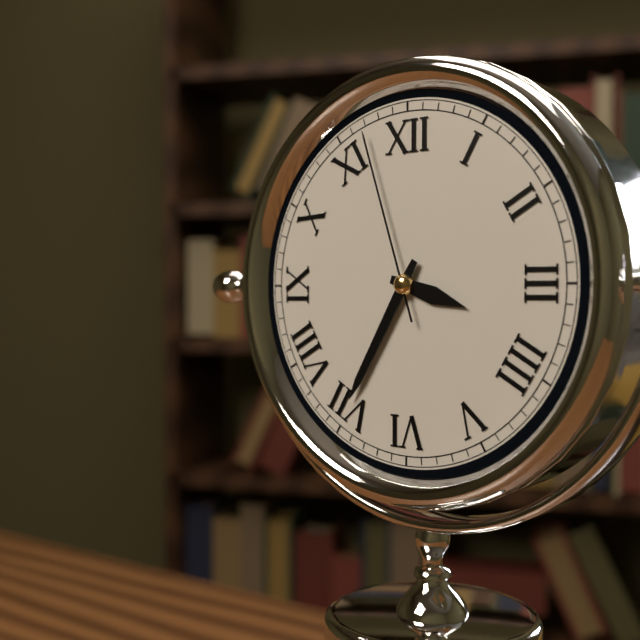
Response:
3h35m57s
